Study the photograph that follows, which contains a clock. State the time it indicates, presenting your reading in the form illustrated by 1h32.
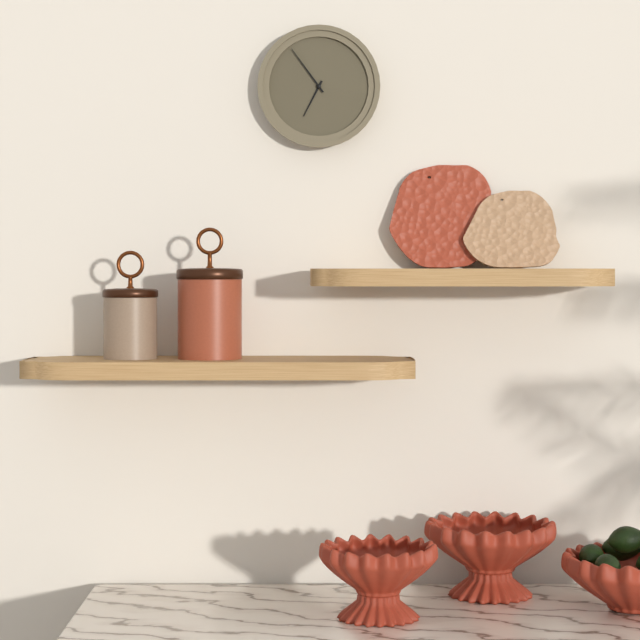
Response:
6h54
